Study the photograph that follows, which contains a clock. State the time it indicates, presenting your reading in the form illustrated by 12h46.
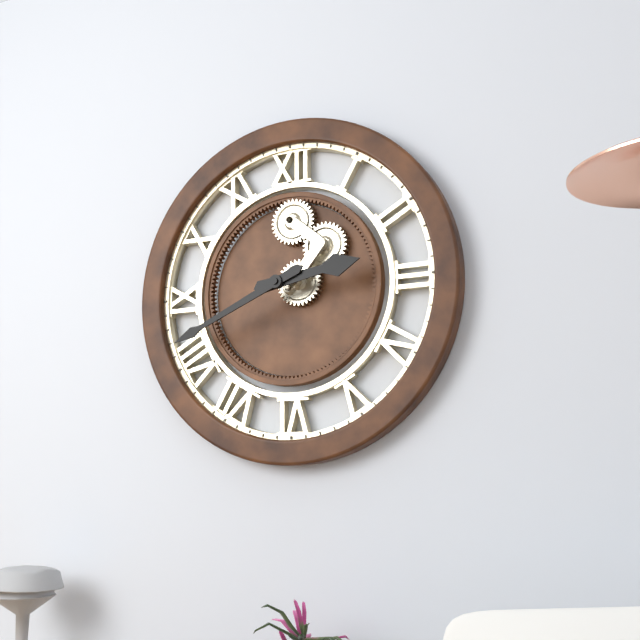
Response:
2h41
